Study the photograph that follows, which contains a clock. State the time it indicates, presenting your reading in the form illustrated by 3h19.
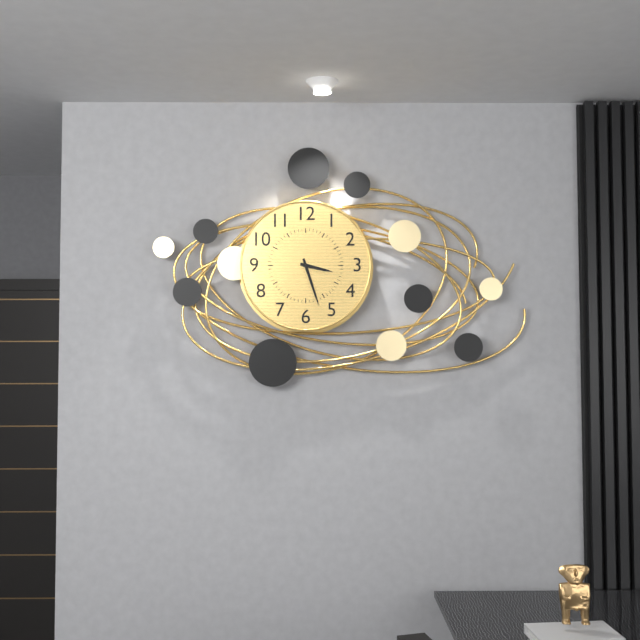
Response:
3h27
